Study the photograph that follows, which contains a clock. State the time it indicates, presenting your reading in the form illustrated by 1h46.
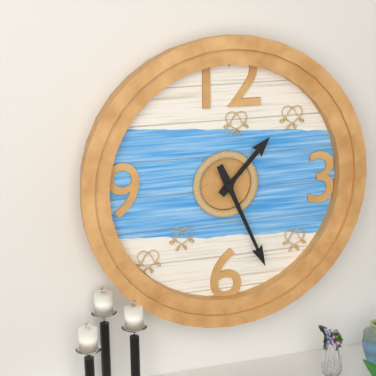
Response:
1h26
